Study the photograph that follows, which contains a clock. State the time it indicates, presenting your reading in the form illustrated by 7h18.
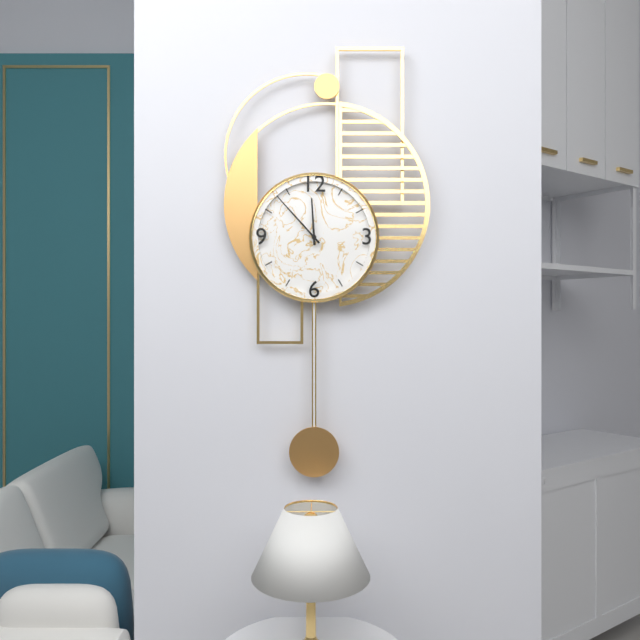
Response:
11h53
